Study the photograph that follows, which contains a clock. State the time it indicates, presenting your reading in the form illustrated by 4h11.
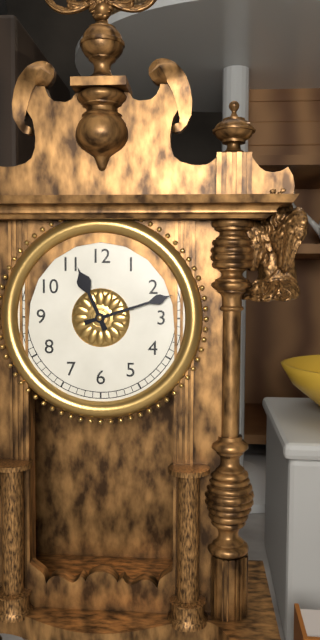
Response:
11h12
